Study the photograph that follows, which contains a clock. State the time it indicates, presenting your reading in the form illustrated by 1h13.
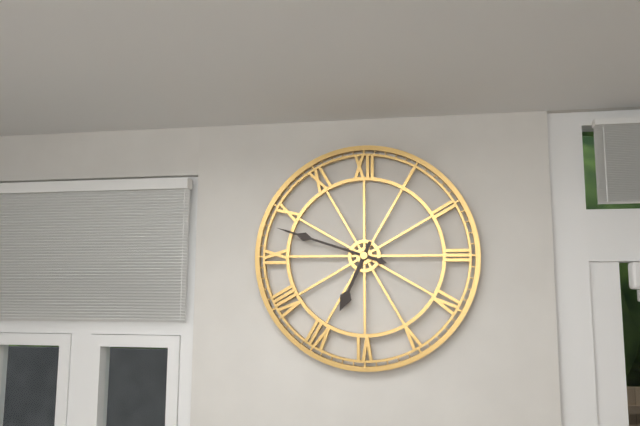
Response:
6h48
